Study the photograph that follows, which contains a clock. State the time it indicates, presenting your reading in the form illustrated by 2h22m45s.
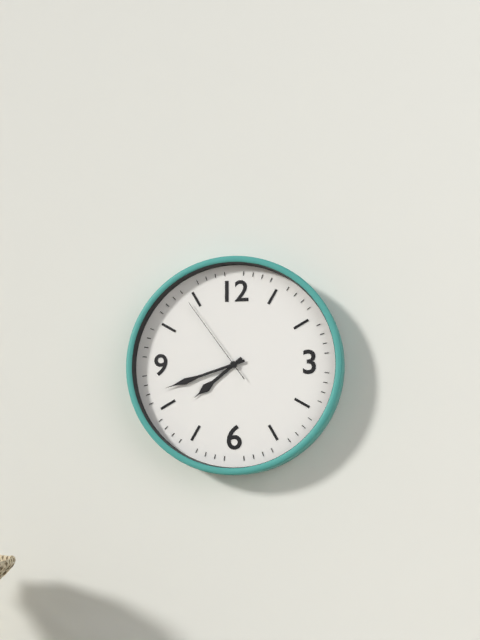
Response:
7h42m54s
